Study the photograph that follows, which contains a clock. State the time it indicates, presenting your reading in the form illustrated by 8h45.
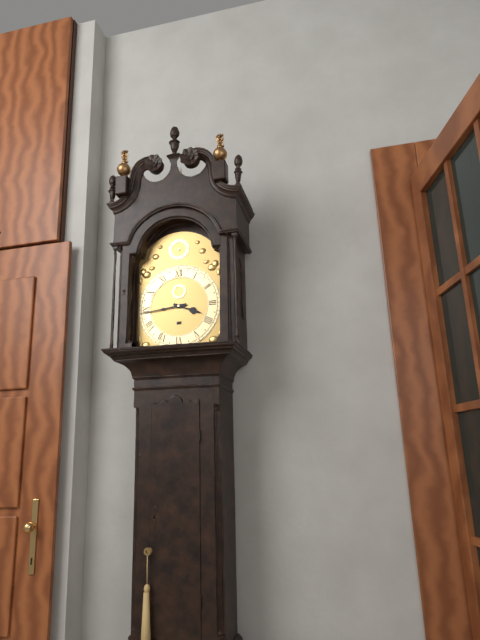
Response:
3h44
